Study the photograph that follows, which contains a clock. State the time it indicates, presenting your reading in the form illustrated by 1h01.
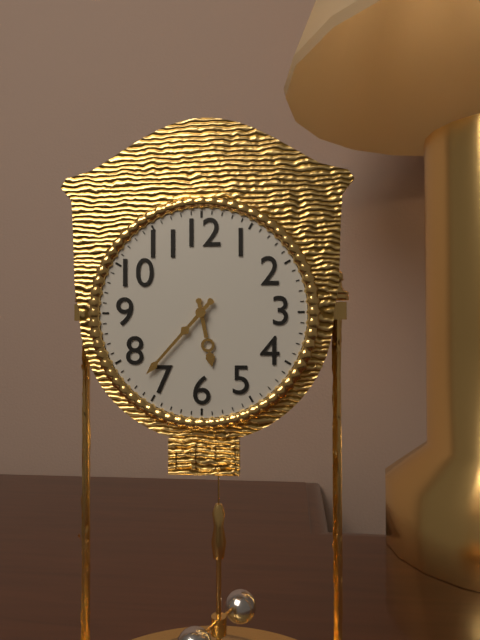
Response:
5h37
